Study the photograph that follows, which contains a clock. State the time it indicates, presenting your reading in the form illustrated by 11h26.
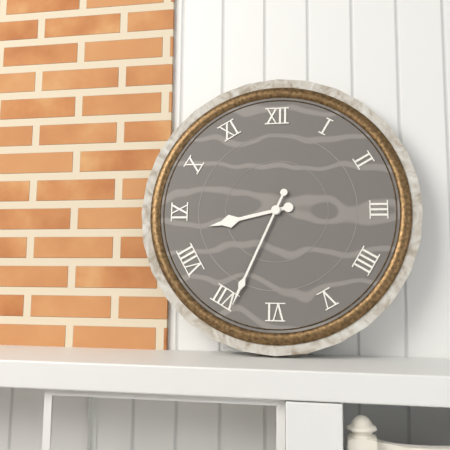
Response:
8h34
